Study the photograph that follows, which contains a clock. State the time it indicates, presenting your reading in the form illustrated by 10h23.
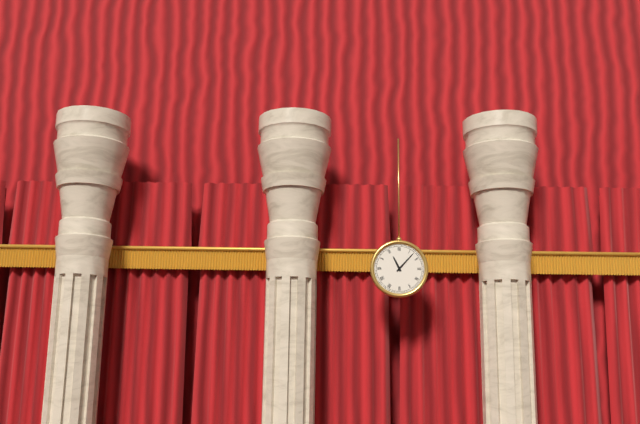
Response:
11h07
